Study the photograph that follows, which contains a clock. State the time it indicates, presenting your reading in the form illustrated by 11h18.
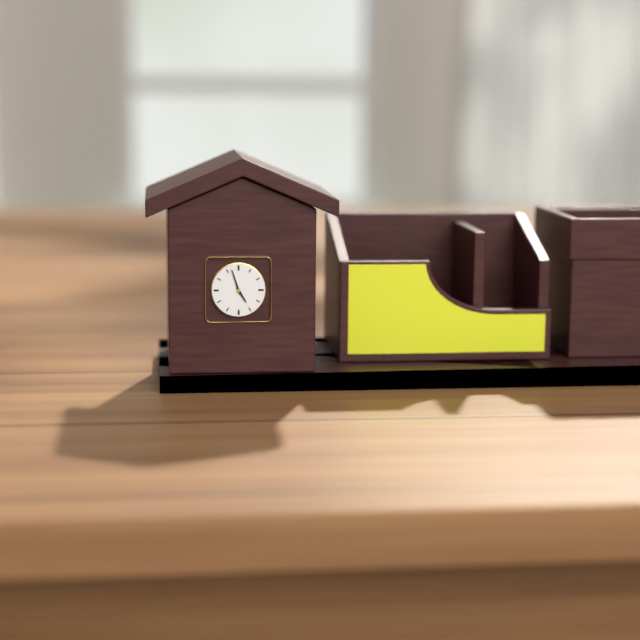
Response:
4h57
